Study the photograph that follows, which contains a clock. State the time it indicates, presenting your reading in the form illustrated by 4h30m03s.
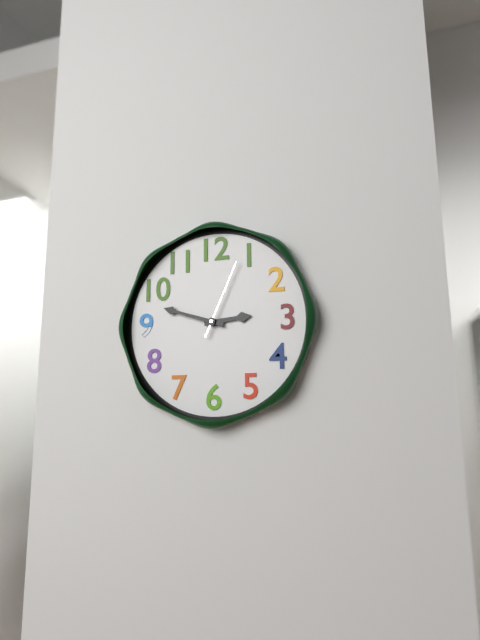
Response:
2h48m04s
